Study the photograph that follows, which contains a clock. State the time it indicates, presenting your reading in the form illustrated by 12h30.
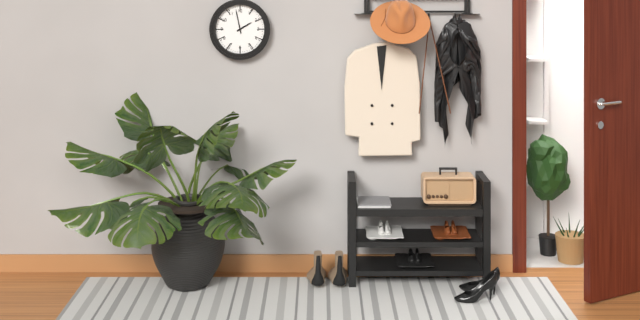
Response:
1h58
